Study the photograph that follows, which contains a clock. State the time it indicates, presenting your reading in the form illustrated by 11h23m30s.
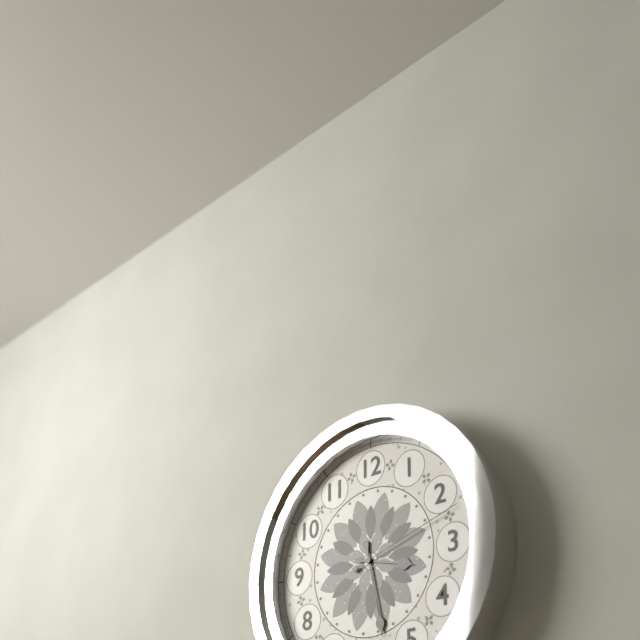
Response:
3h28m12s
